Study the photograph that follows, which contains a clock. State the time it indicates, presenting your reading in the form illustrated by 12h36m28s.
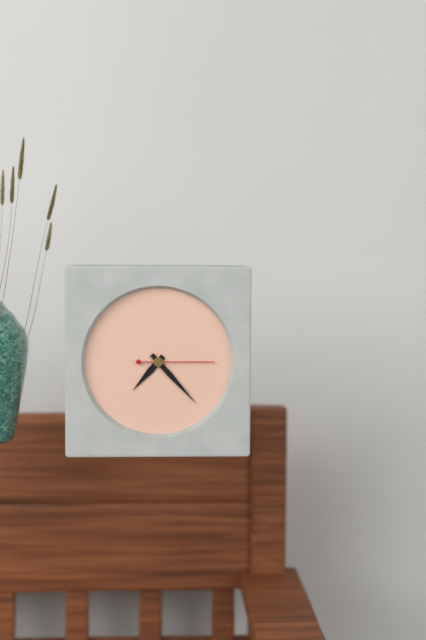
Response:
7h23m15s
